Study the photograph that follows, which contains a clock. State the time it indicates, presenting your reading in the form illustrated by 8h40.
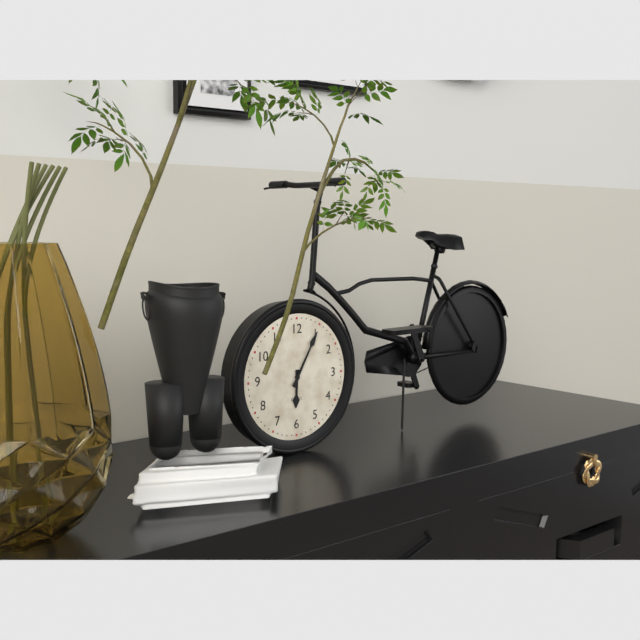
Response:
6h05
